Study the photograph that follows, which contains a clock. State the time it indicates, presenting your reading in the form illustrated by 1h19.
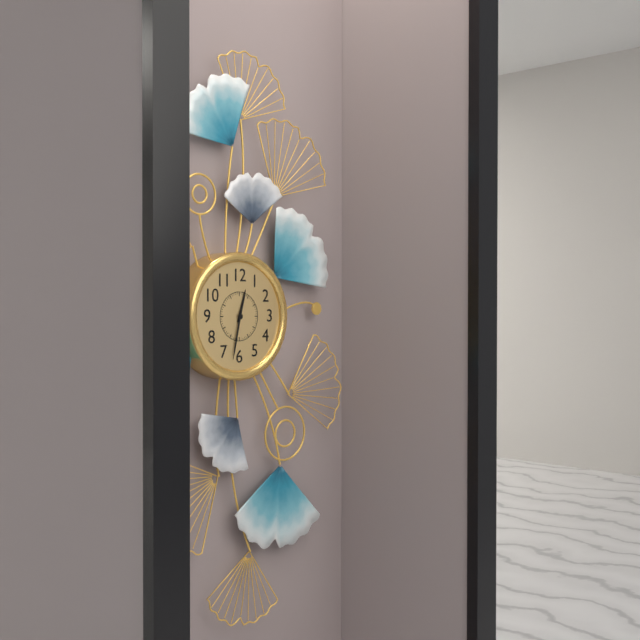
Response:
12h32
